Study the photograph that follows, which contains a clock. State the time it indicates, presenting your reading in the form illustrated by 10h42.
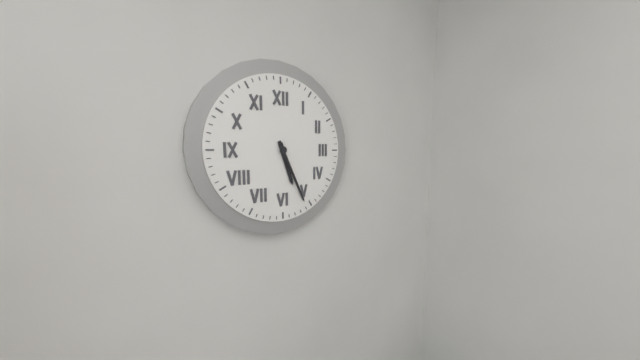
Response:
5h26
